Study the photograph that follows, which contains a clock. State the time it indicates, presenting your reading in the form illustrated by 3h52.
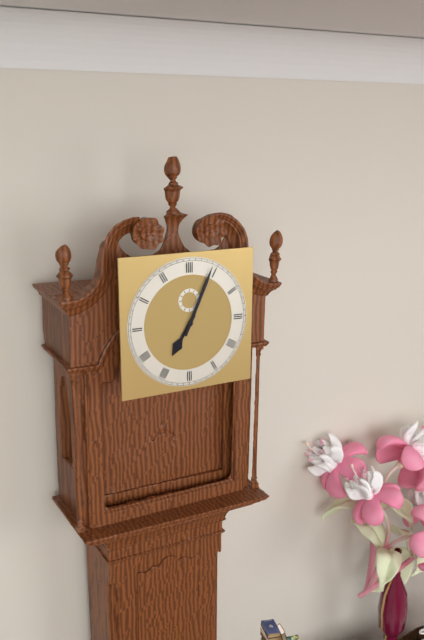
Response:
7h04
